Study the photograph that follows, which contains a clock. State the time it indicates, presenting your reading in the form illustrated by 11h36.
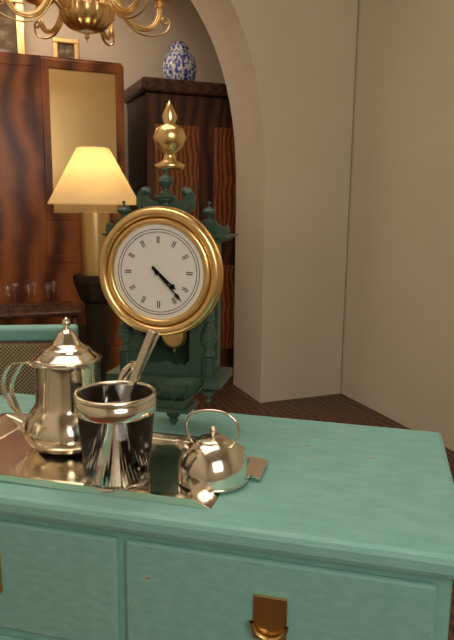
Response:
4h23
